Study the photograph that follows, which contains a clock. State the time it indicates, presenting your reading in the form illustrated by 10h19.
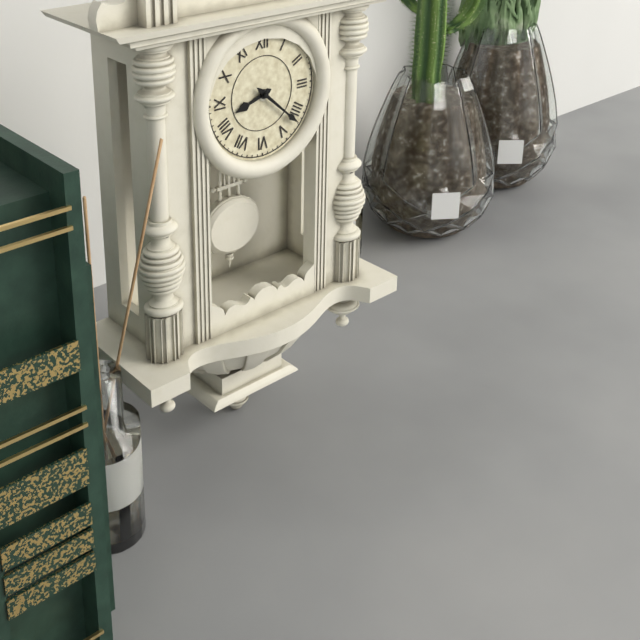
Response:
8h22
